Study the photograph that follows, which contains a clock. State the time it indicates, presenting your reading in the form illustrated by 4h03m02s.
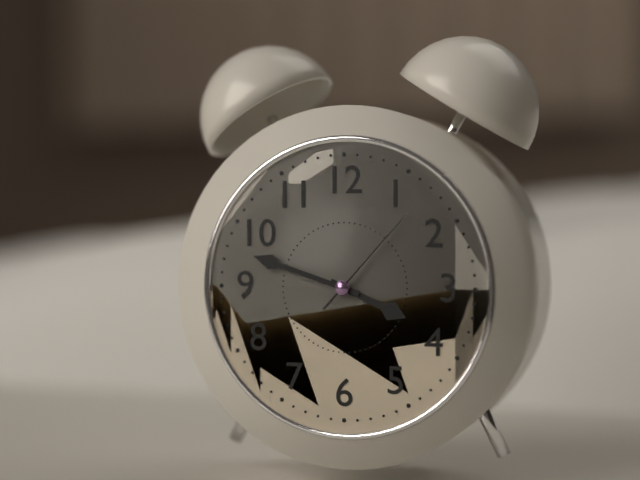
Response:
3h48m07s
